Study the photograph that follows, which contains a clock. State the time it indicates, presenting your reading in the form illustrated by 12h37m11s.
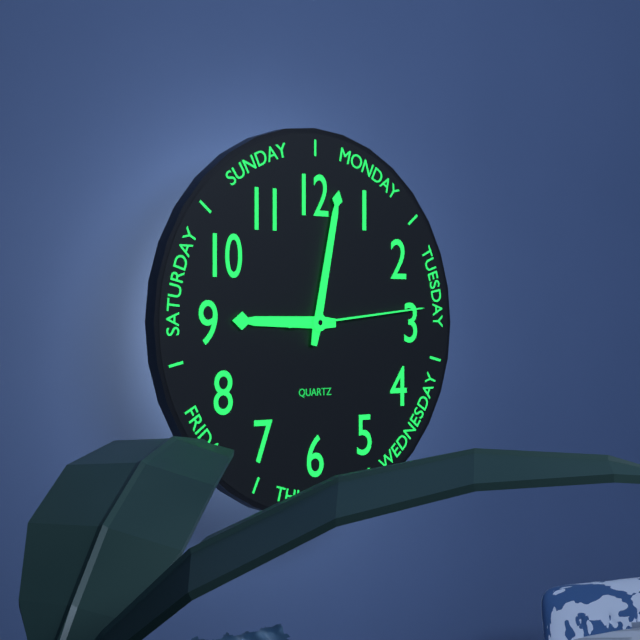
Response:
9h02m14s
